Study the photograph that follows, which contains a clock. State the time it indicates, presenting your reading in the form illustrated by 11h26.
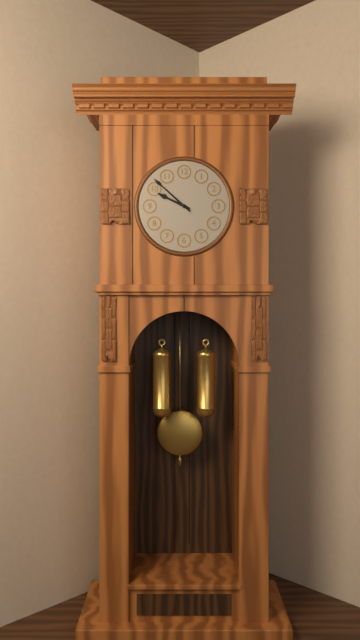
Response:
9h52
